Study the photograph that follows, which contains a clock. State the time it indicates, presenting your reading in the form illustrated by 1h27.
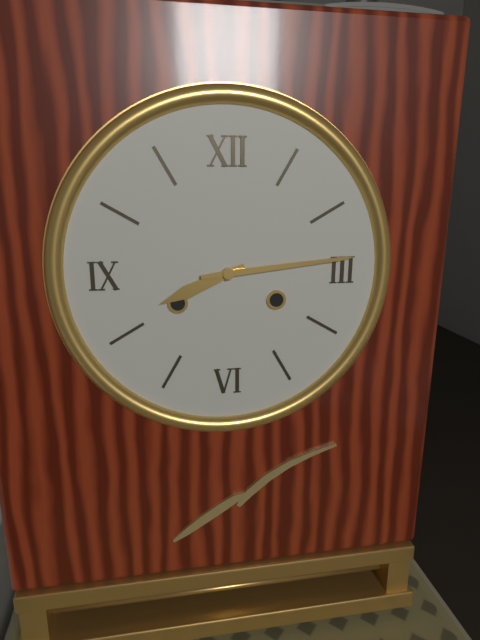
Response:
8h14
